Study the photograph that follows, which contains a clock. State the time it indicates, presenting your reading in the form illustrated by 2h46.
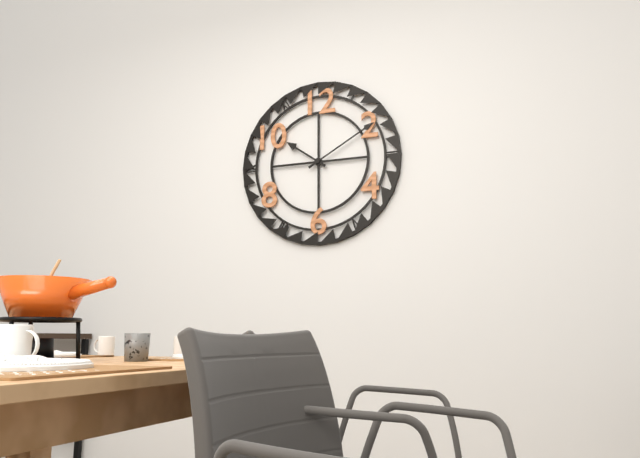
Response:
10h10
